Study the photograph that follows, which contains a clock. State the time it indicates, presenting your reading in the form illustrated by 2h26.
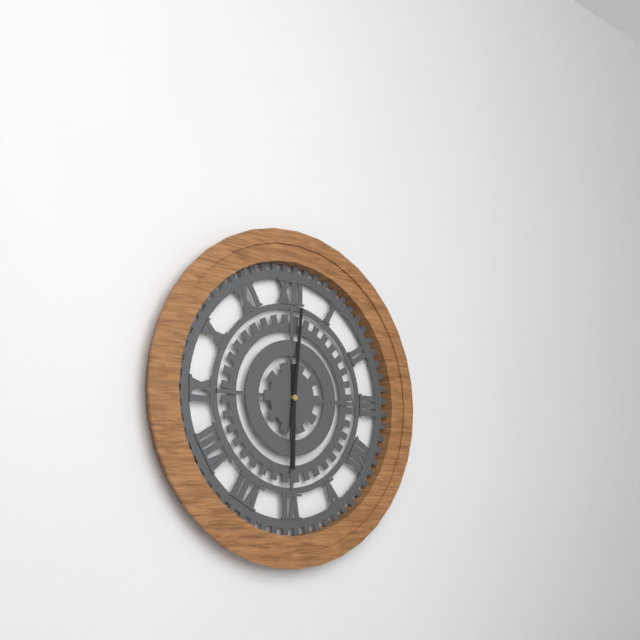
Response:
6h01
